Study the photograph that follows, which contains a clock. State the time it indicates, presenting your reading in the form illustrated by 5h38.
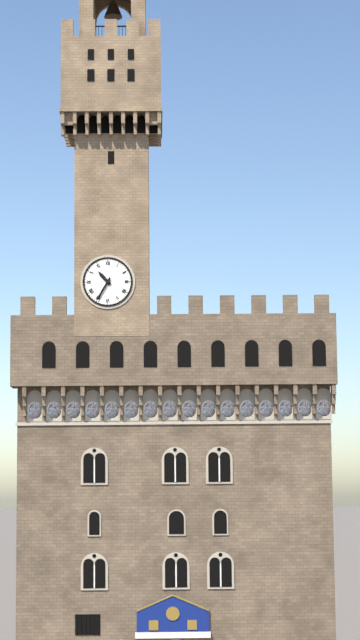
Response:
10h35
